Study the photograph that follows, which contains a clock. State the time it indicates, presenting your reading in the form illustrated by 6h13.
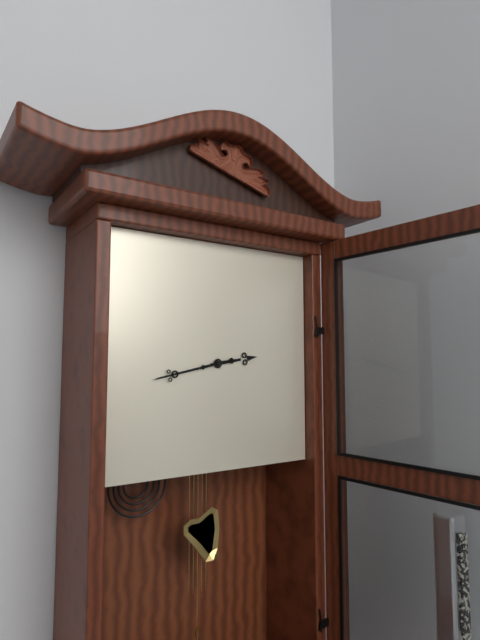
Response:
2h43
